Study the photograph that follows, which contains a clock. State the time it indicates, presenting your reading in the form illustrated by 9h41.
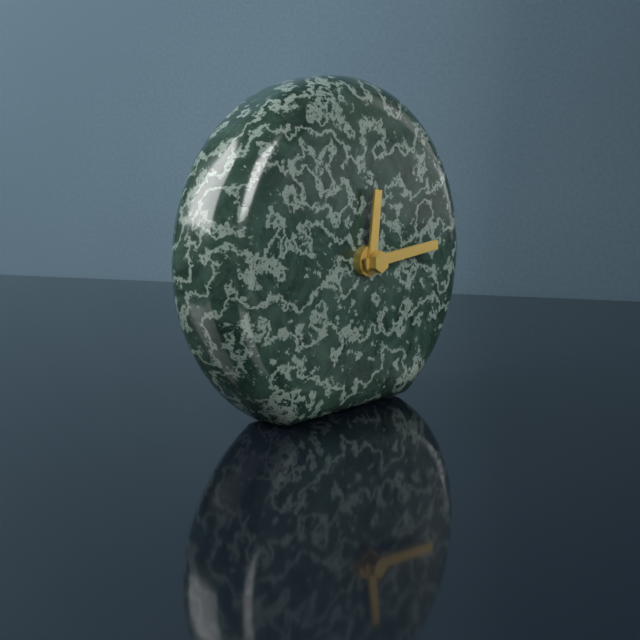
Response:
12h14
